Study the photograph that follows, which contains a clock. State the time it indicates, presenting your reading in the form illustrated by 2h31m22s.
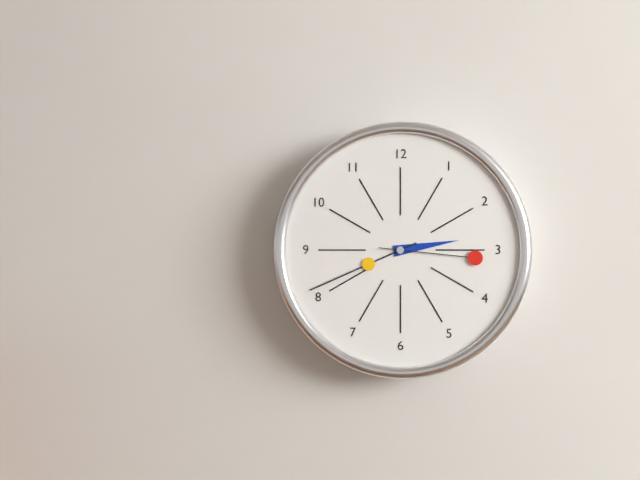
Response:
2h41m16s
